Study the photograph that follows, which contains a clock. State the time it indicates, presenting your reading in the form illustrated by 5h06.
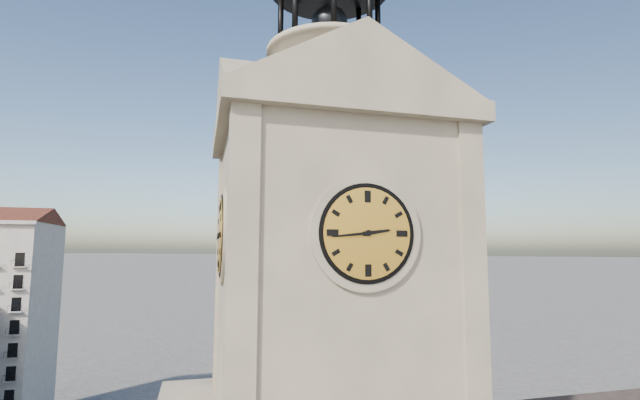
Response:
2h44
